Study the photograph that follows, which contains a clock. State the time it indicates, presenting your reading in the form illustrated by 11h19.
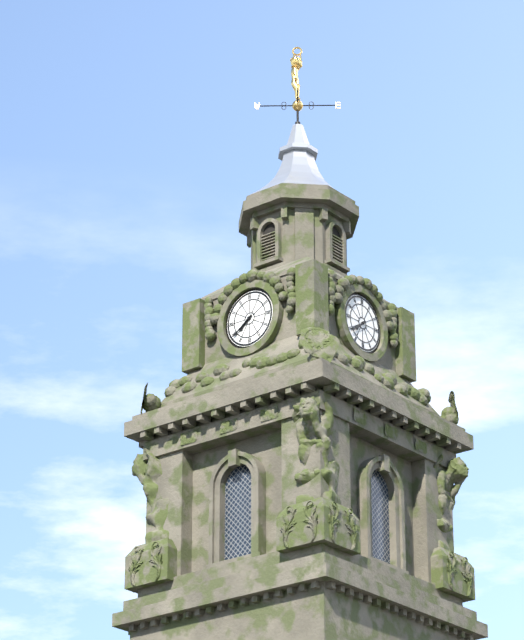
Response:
7h39
